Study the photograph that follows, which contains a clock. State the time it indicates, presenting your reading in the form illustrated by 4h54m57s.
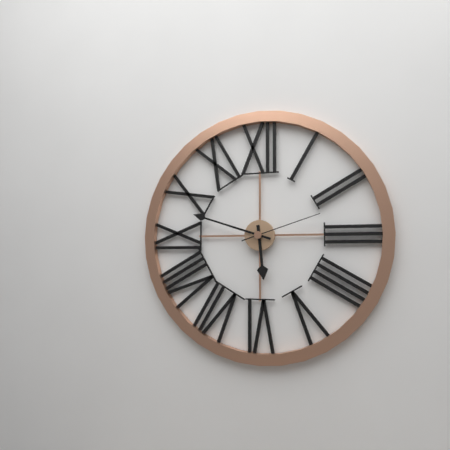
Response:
5h48m12s
